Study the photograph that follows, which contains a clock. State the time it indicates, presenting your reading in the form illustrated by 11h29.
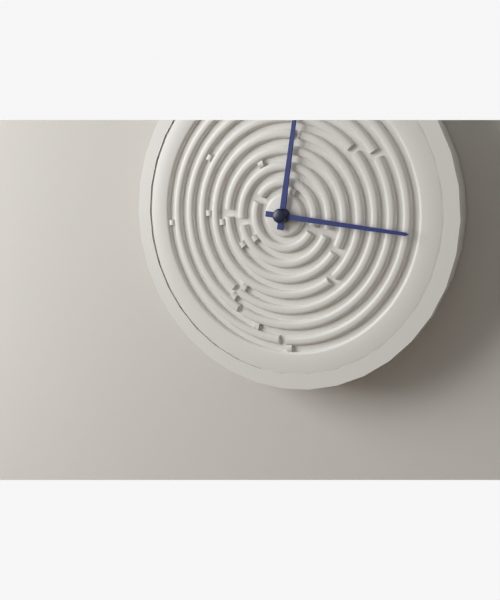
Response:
12h16
